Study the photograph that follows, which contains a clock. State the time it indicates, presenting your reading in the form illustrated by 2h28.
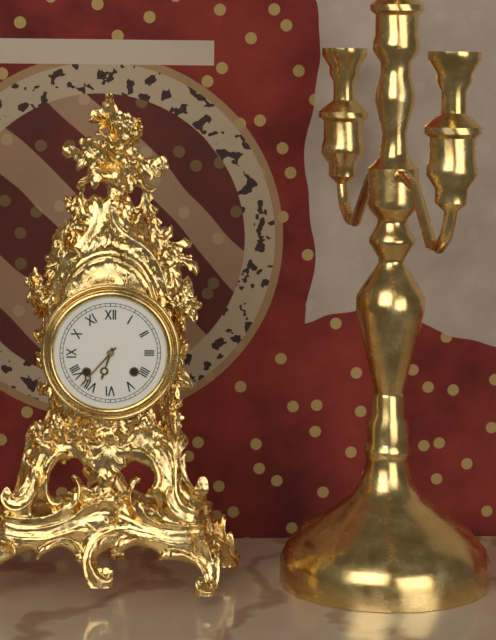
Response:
6h37
